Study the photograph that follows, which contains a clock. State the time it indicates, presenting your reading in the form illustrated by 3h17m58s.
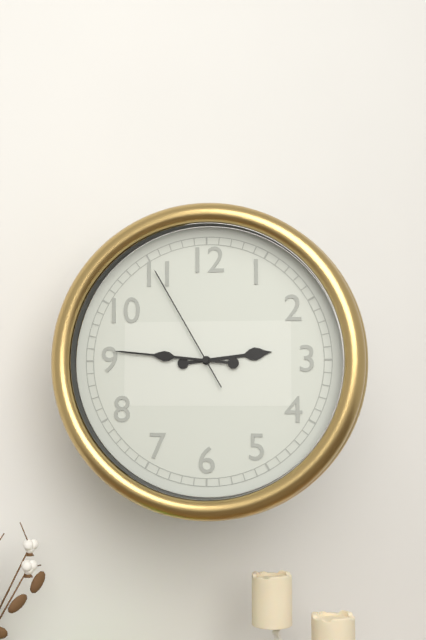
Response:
2h46m55s
